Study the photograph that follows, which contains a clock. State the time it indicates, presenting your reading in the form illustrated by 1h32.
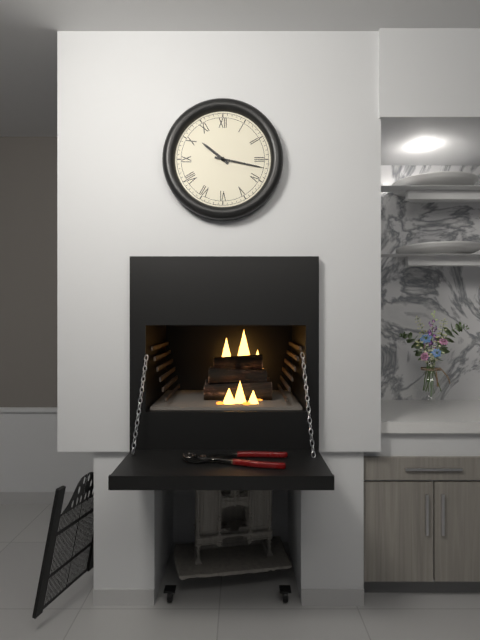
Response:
10h17
